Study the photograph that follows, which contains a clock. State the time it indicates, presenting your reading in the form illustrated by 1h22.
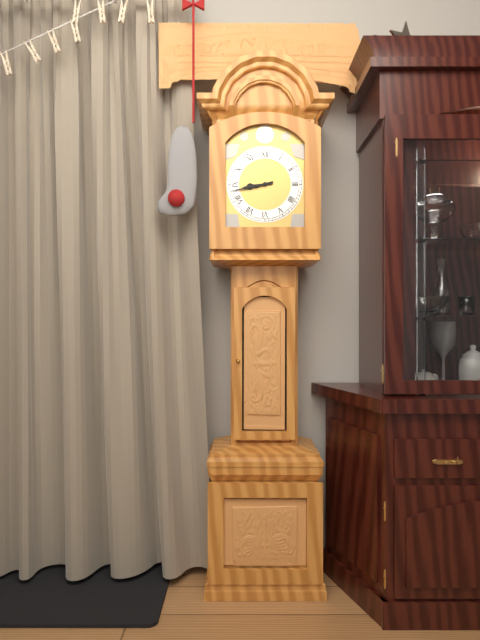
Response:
8h43
